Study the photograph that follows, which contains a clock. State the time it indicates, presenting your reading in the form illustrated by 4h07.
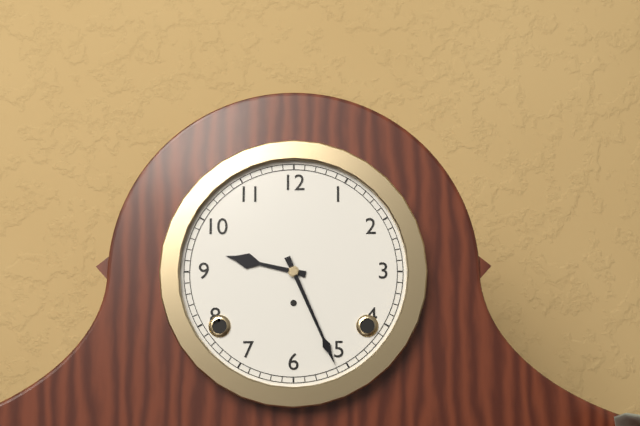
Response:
9h26
